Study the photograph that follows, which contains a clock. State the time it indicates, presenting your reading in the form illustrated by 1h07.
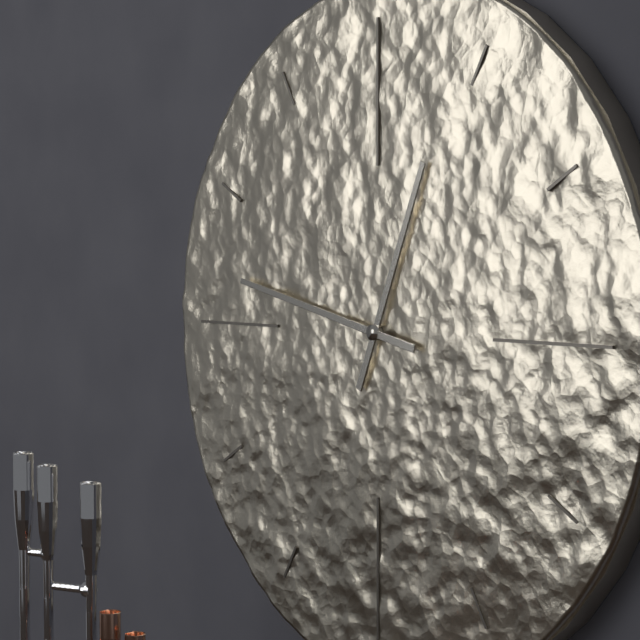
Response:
12h47
